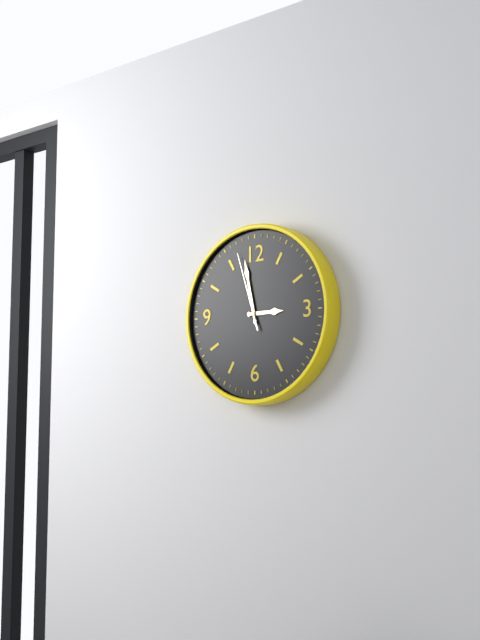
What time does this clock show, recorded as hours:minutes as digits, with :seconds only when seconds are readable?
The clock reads 2:58:57
